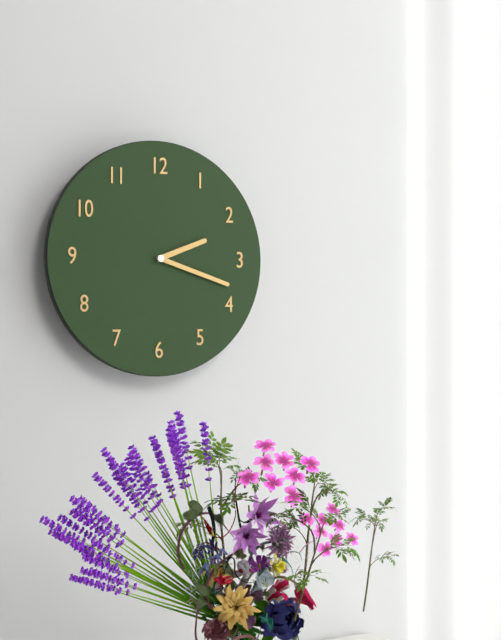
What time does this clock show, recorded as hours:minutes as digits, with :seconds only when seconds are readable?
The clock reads 2:18
